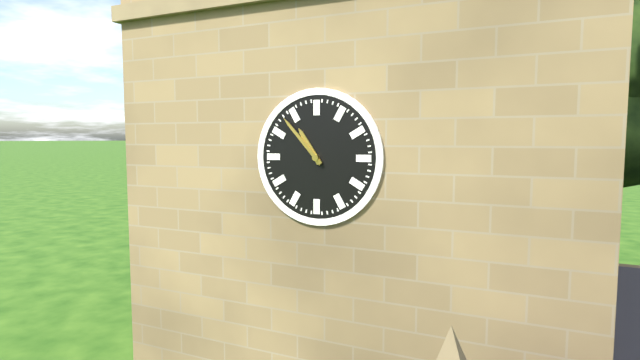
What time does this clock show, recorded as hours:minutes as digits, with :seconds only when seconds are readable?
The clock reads 10:53
